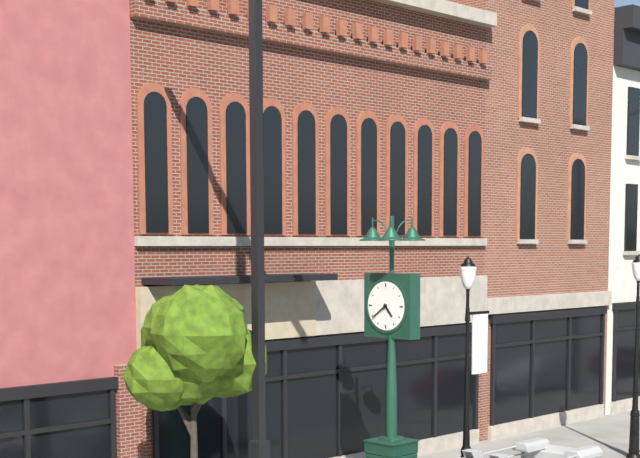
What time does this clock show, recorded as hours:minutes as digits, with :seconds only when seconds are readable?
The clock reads 4:39
